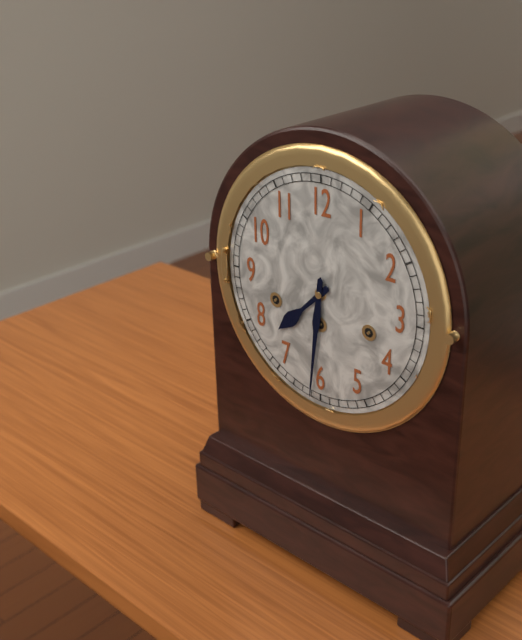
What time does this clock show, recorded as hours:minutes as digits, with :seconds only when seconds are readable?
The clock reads 7:31
